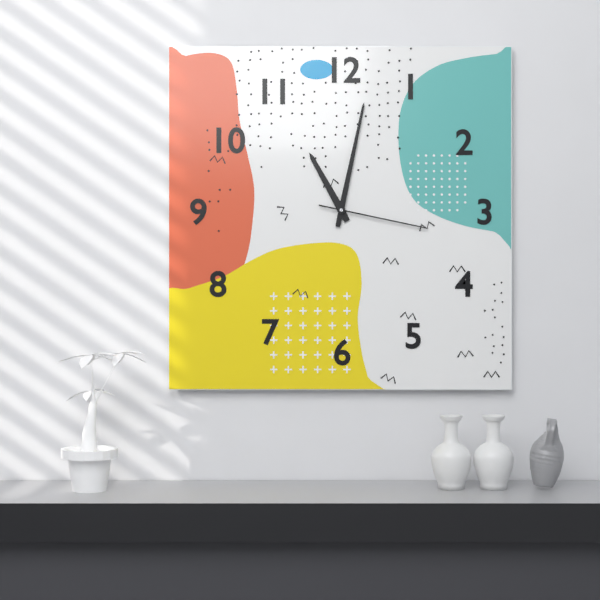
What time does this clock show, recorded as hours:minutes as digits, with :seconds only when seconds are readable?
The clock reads 11:02:17
